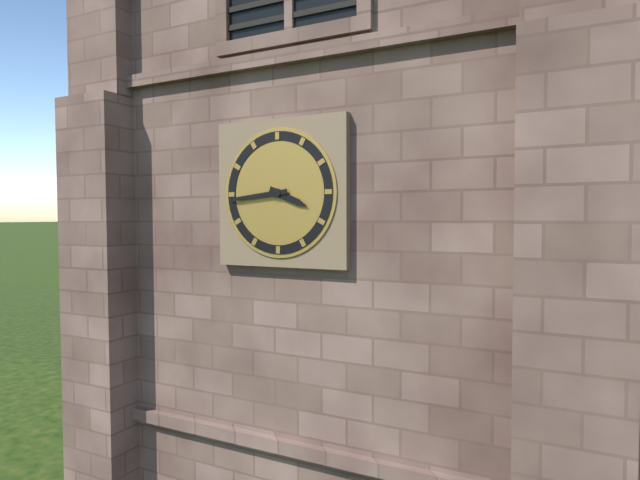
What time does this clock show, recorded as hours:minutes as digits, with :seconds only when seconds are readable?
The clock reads 3:44
